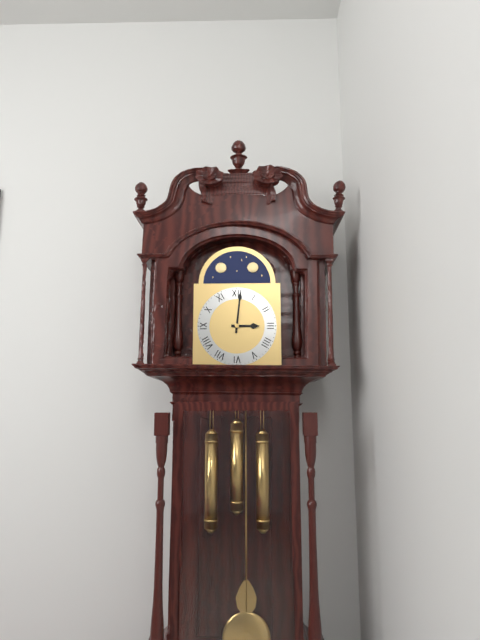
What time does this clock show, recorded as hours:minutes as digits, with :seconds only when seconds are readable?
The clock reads 3:01
